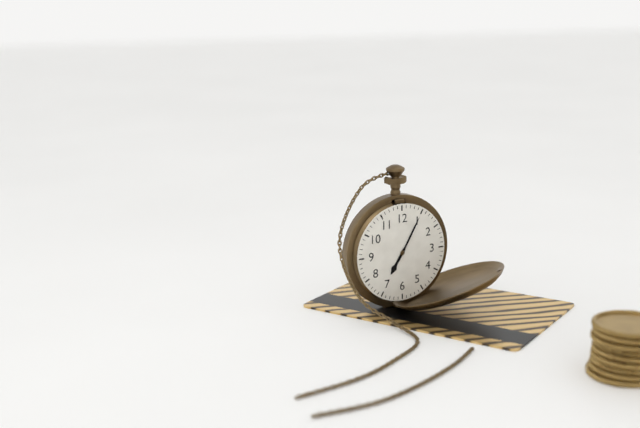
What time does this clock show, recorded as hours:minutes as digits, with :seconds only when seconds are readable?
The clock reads 7:05
